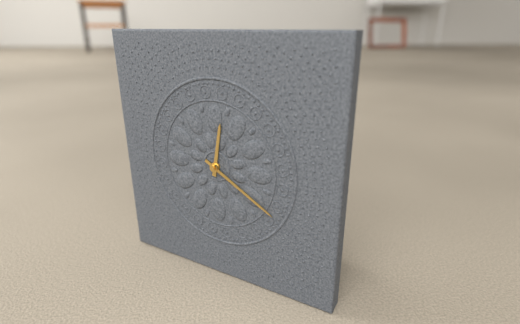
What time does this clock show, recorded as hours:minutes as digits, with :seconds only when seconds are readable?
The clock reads 12:20
